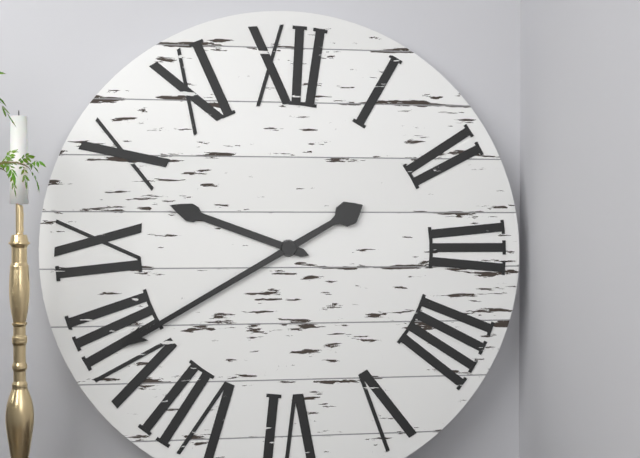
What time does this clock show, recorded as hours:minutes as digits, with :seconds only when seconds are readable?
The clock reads 9:40
